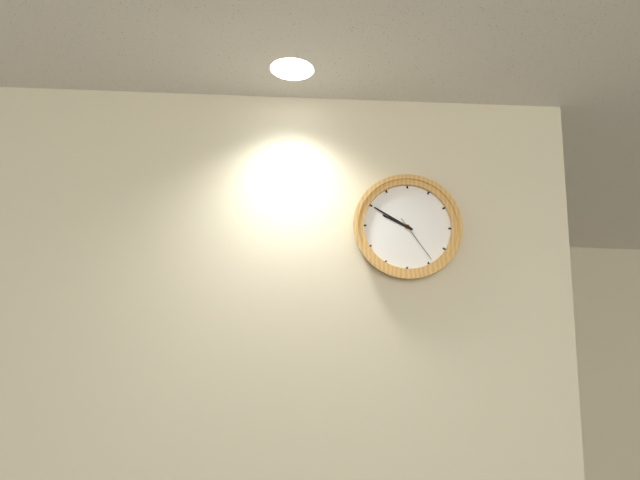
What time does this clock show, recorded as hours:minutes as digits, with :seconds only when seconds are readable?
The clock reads 9:50:24
